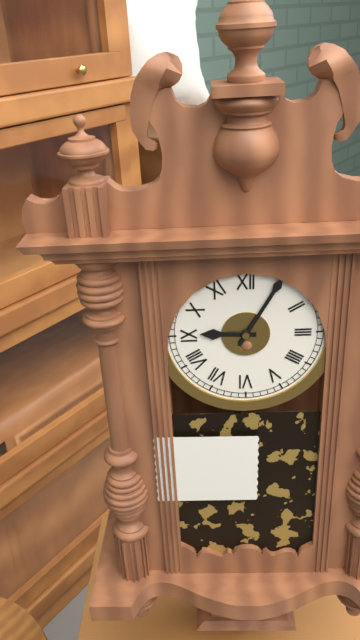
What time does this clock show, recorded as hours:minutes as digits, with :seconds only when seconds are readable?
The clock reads 9:05
